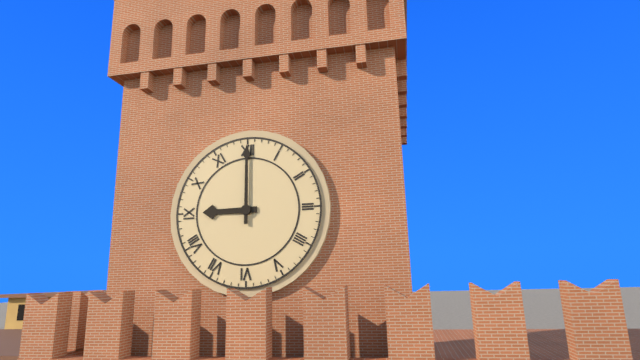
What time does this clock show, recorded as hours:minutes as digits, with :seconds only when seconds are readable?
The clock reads 9:00
